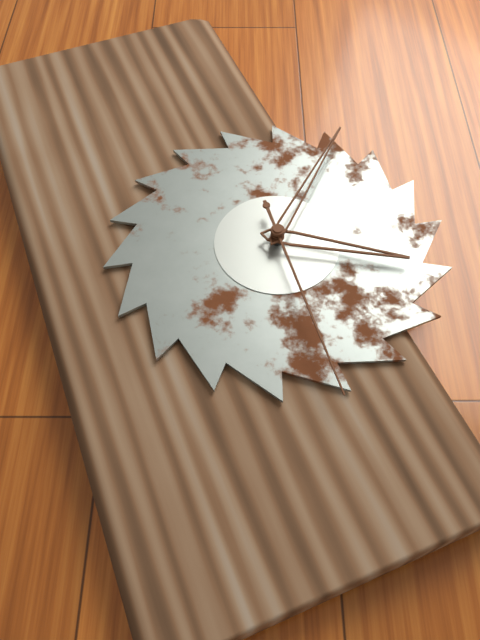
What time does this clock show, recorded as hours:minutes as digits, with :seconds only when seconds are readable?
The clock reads 4:08:31
